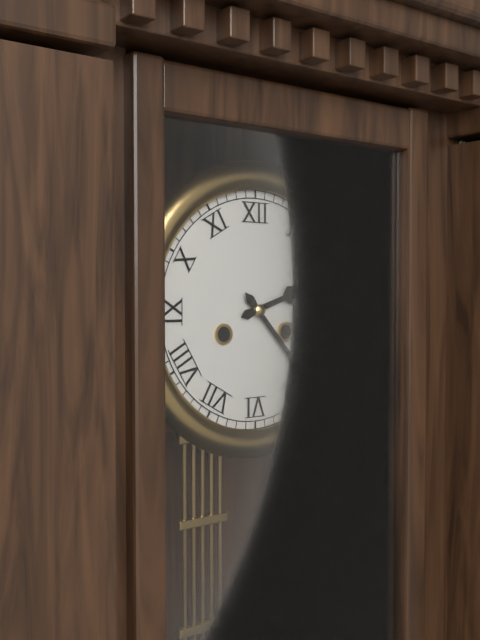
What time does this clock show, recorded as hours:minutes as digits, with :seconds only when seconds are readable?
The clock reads 2:23
